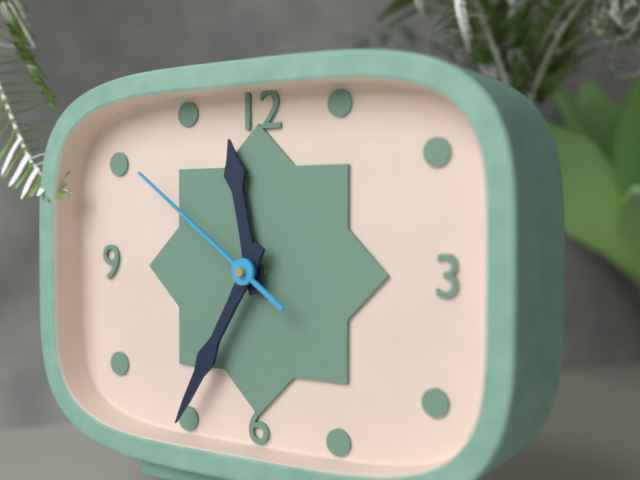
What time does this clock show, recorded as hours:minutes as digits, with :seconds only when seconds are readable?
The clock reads 11:35:51
